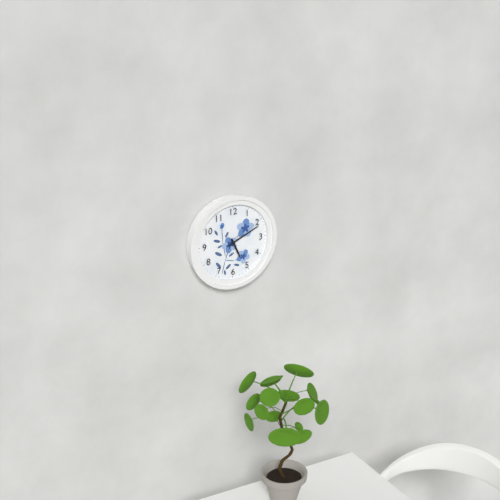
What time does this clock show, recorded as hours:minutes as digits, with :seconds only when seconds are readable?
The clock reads 5:11
